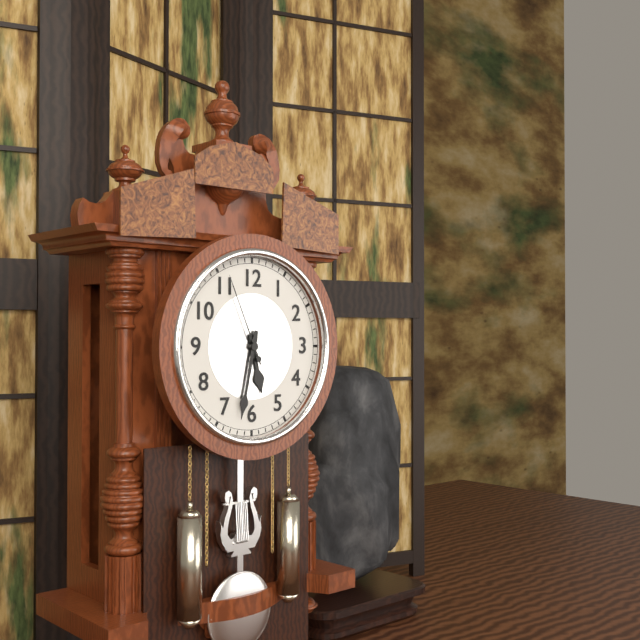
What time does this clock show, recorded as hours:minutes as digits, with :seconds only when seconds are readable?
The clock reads 5:32:56
